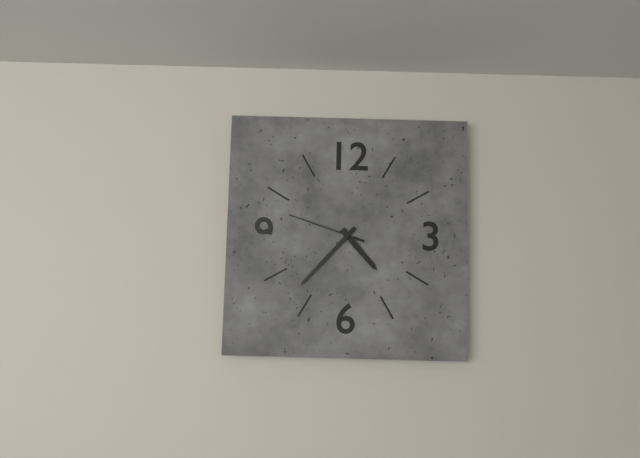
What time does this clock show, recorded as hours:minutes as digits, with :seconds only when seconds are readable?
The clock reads 4:37:48
